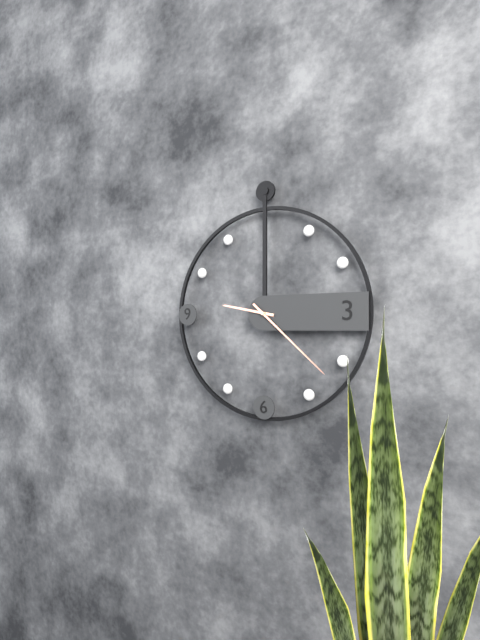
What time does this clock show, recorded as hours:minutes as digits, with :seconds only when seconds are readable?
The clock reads 9:22
